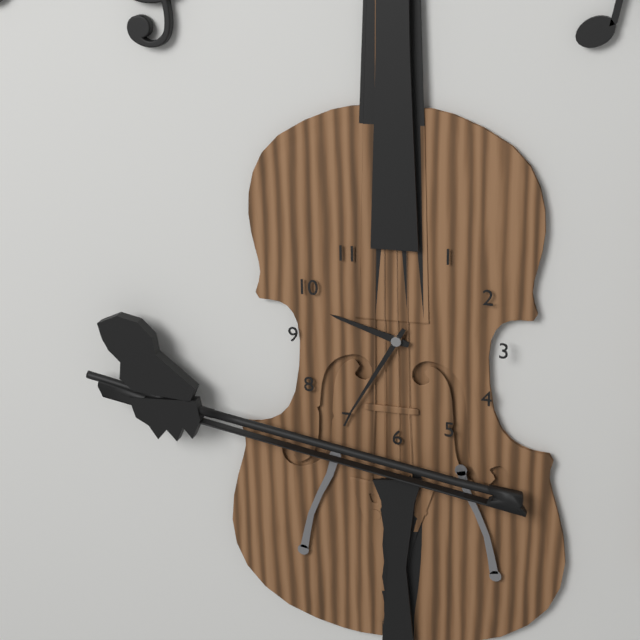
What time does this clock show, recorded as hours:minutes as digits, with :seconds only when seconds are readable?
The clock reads 9:35
